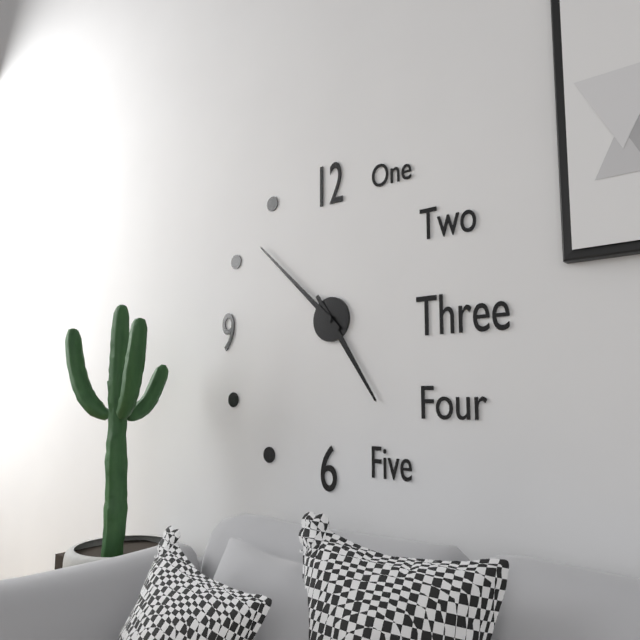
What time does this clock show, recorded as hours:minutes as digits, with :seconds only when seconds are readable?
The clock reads 4:52
